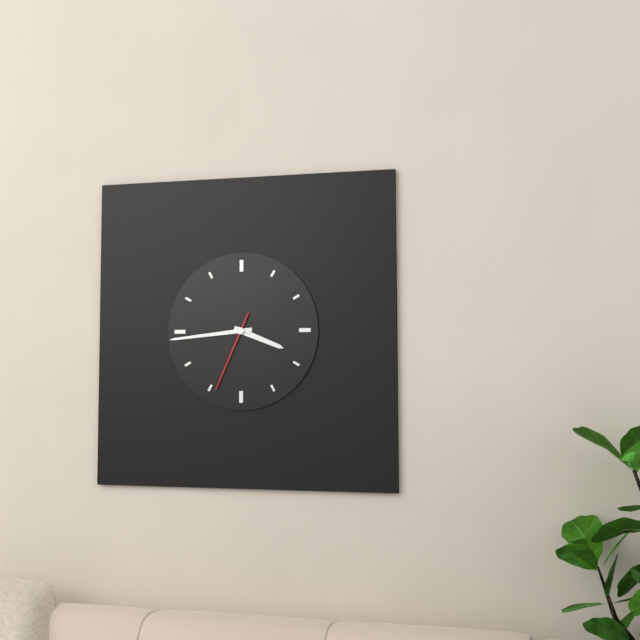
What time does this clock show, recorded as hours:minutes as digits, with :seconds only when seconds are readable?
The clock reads 3:44:34
